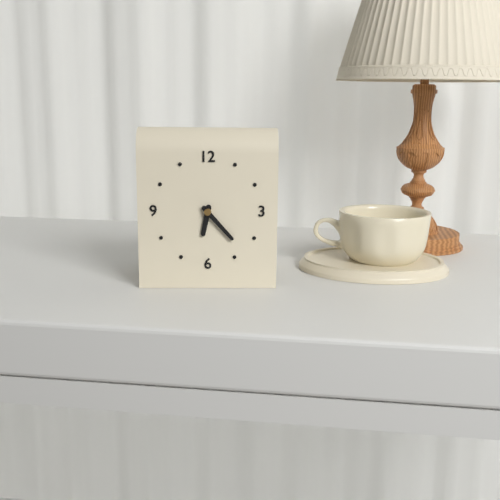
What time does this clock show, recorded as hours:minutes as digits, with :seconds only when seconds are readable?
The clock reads 6:23
